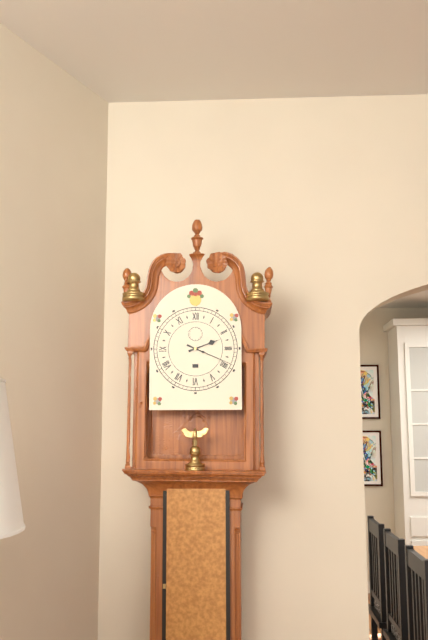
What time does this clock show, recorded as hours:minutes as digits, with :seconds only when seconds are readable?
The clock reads 2:19
